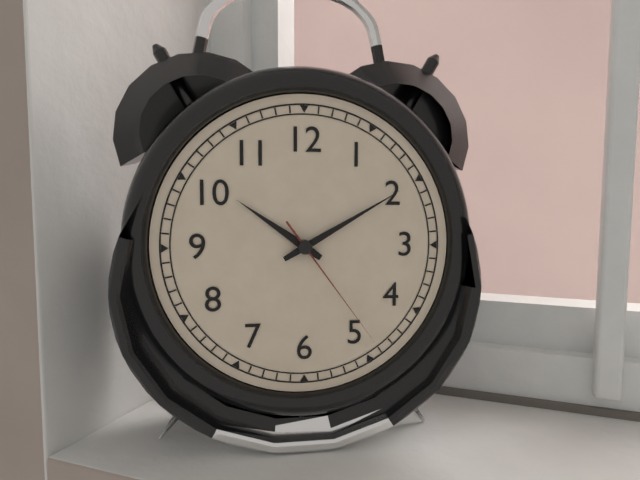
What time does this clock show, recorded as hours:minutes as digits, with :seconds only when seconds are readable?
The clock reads 10:10:24
